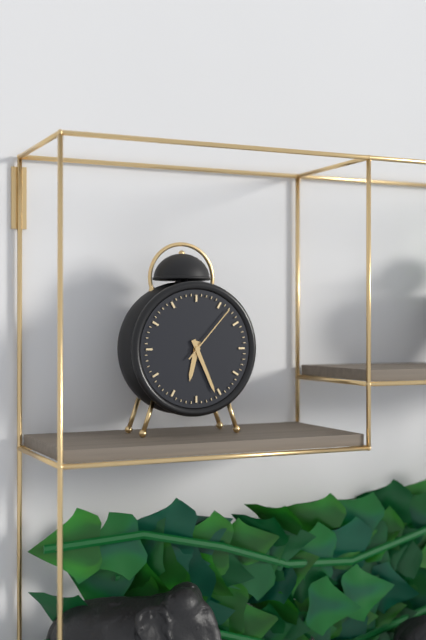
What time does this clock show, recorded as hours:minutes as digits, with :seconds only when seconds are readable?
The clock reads 6:26:07
